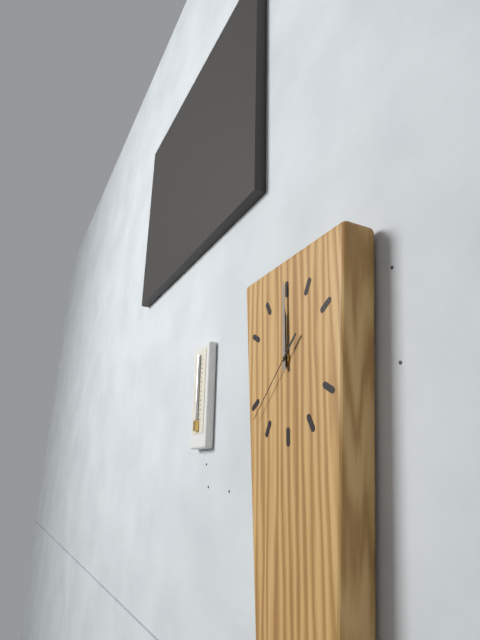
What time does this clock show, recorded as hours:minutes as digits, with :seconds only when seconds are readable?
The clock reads 12:00:38
